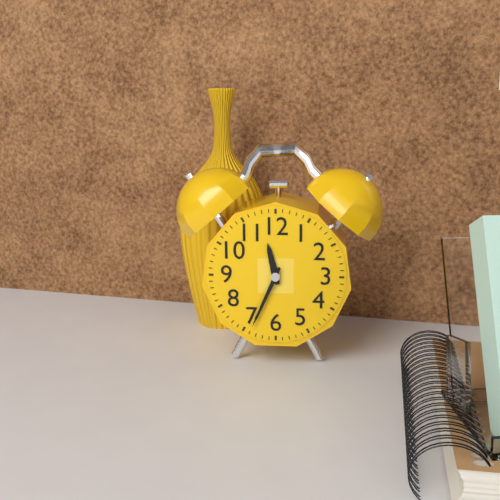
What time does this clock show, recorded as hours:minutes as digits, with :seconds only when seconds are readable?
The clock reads 11:34
